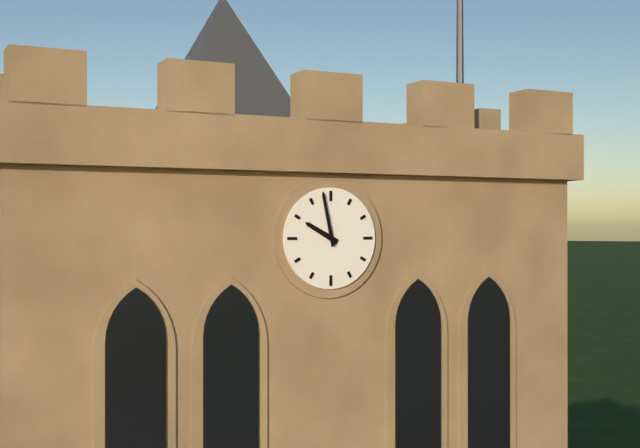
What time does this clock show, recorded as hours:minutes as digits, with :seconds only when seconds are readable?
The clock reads 9:58
